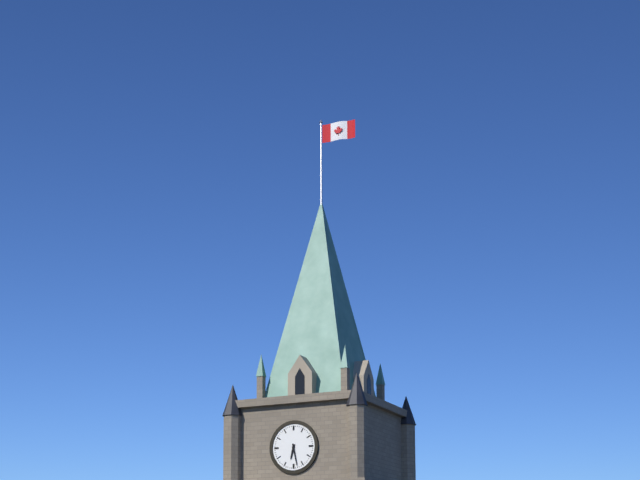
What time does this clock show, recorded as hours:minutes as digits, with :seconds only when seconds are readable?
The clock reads 6:28
